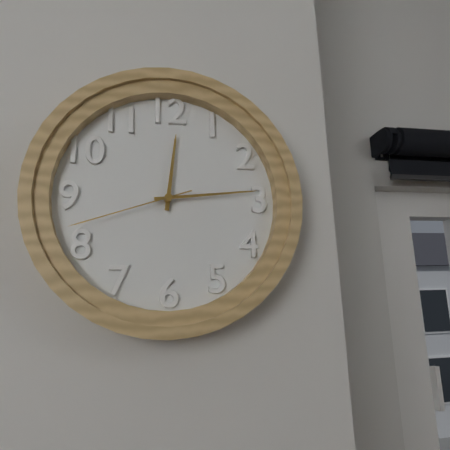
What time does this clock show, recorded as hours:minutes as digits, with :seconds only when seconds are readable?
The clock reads 12:14:42
